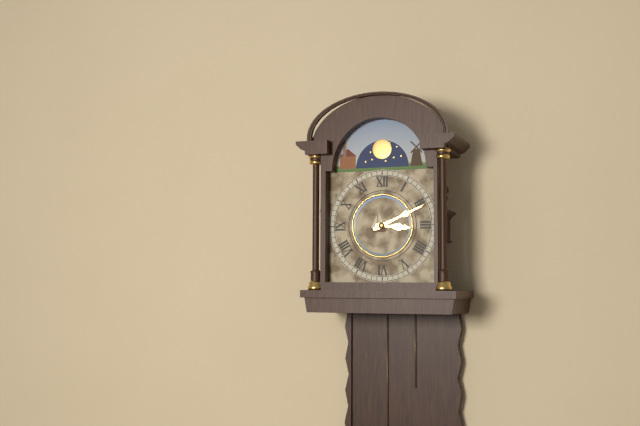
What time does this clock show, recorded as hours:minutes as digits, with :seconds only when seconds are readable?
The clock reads 3:11
